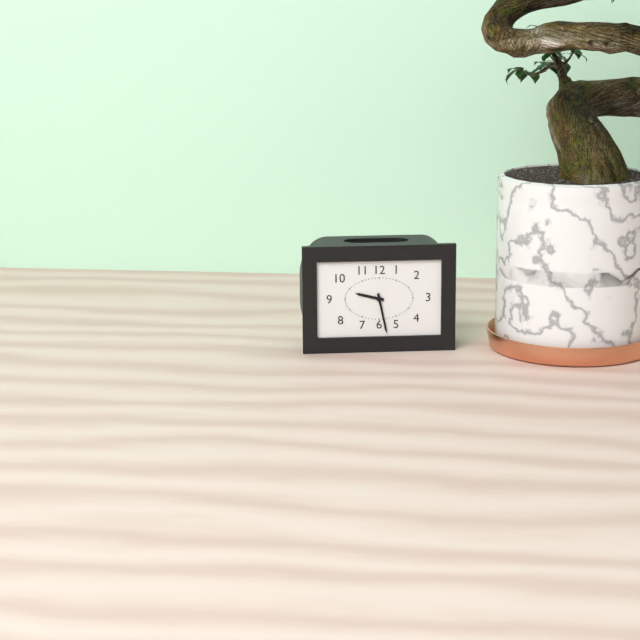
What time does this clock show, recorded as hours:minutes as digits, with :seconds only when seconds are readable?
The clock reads 9:28
